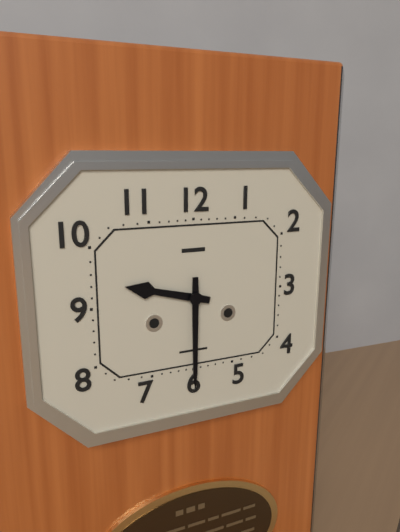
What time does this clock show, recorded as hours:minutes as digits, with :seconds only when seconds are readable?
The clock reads 9:30
